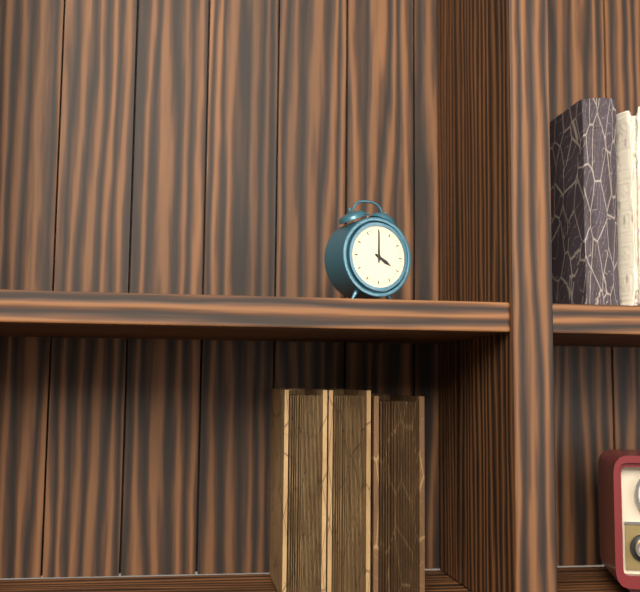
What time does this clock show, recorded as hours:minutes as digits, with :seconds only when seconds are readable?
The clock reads 4:00
